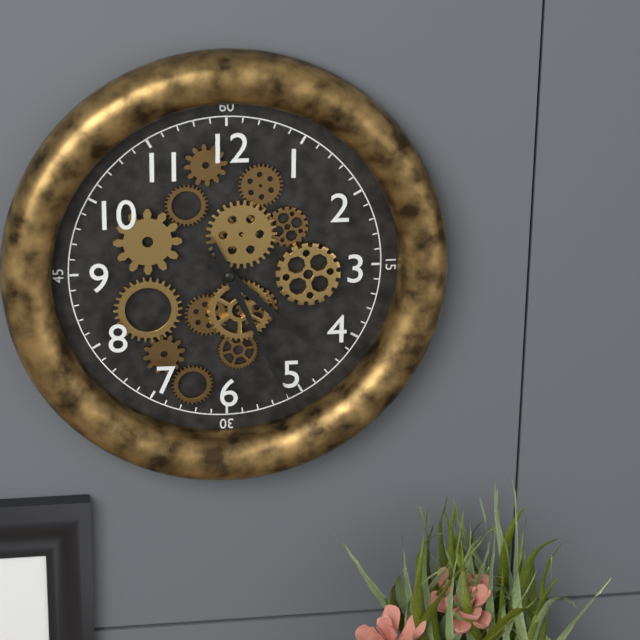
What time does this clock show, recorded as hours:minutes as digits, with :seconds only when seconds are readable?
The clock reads 4:26
